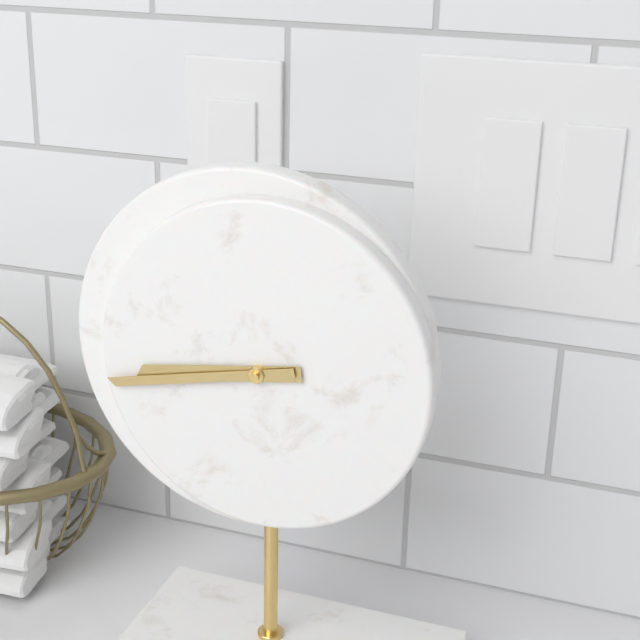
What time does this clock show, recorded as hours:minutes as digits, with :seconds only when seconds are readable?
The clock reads 8:43
